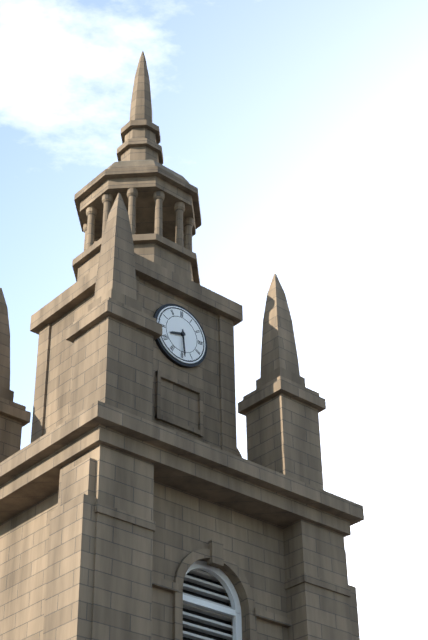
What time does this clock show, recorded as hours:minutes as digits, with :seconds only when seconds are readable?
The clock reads 8:29
